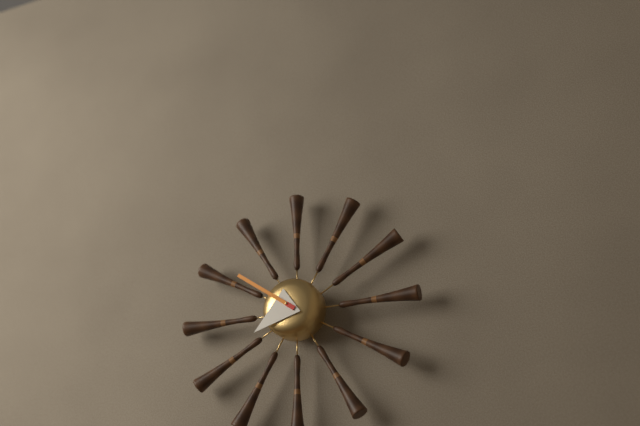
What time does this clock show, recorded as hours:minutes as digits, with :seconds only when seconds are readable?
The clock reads 7:51
